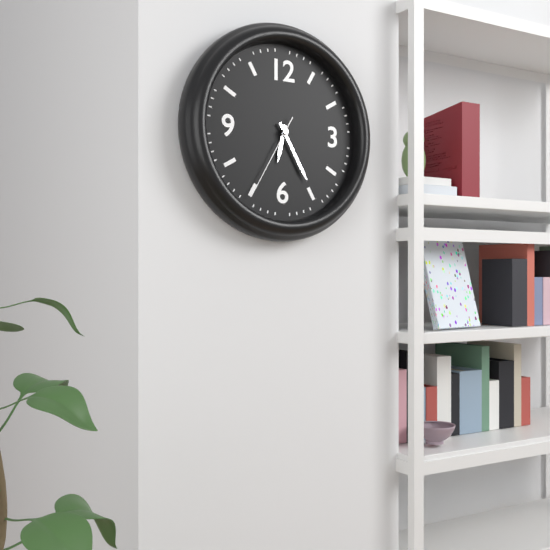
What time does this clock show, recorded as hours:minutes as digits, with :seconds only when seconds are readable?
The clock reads 6:25:35
